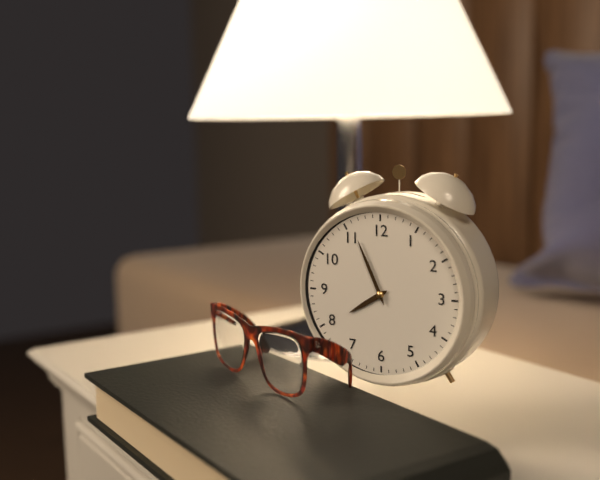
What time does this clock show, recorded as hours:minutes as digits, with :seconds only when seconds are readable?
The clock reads 7:56
